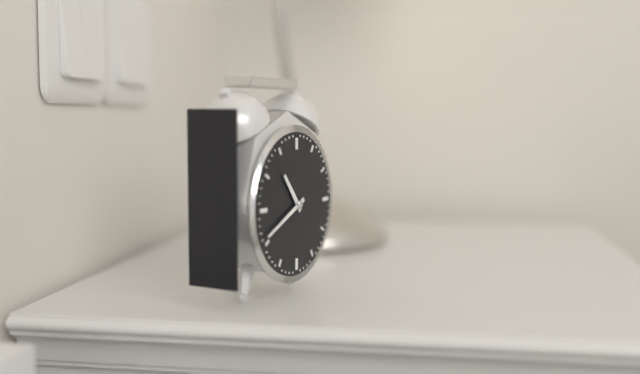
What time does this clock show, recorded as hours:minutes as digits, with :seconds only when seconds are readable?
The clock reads 10:41
